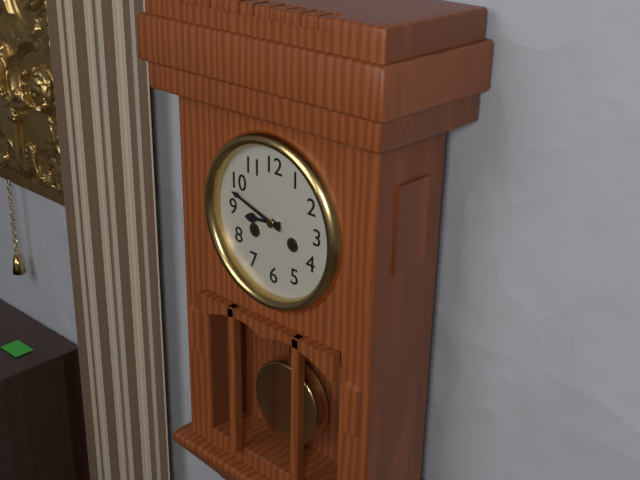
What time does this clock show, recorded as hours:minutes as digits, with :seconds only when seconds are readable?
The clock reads 8:48
